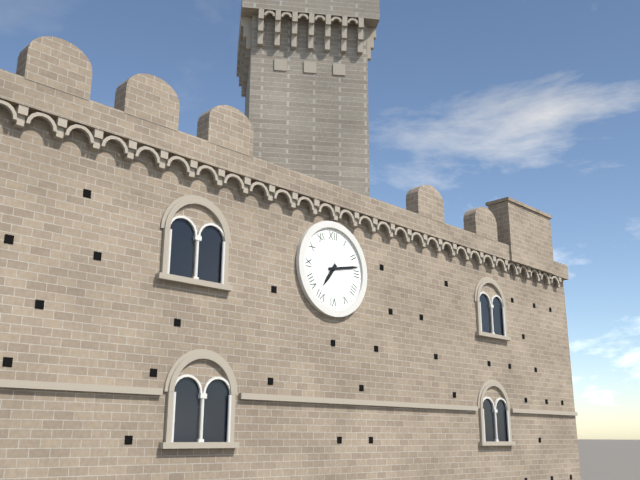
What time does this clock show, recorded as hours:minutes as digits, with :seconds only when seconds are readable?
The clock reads 7:13
